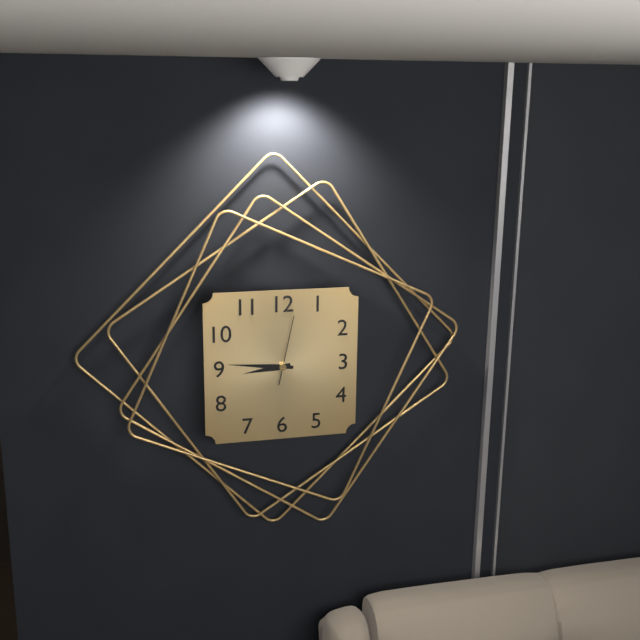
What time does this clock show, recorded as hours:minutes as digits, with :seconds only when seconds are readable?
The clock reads 8:46:02
